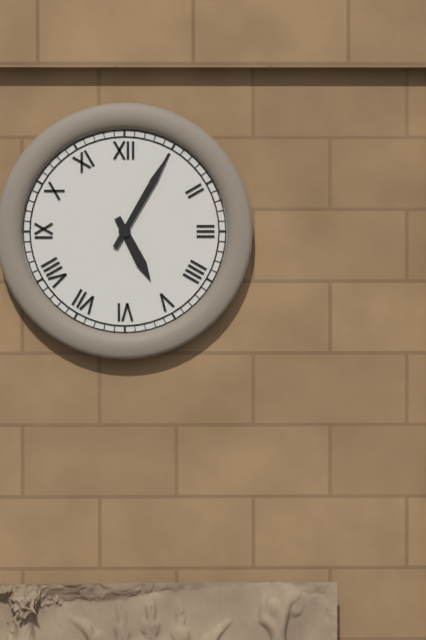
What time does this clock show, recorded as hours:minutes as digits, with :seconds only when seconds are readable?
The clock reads 5:05
